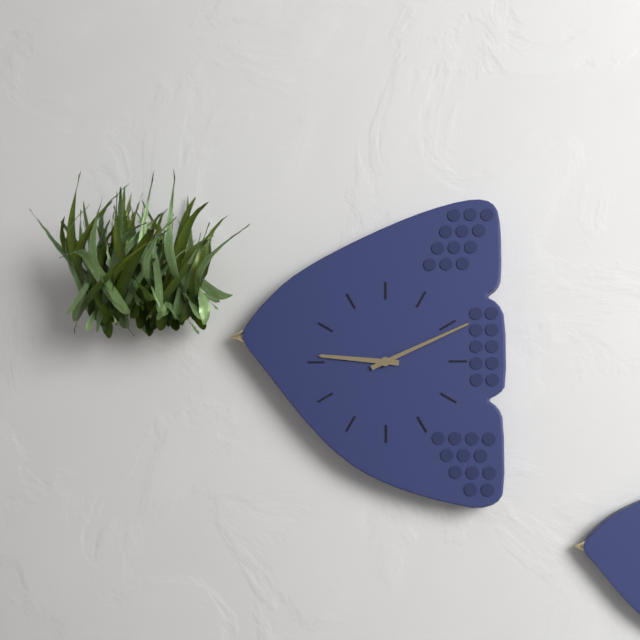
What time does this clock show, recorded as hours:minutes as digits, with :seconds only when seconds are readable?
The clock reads 9:11
